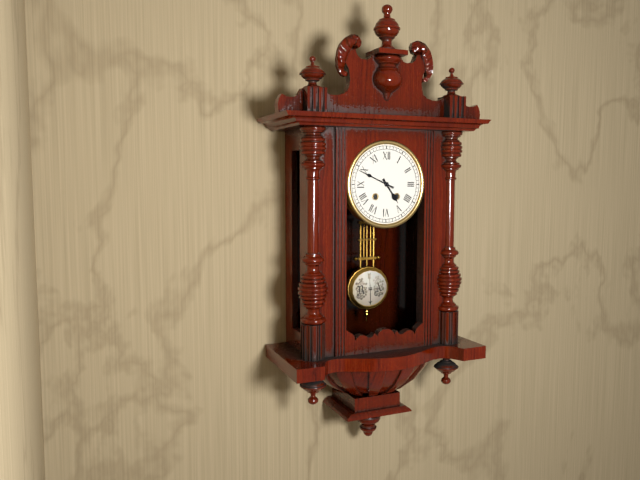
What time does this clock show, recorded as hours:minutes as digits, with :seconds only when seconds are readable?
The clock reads 4:49
